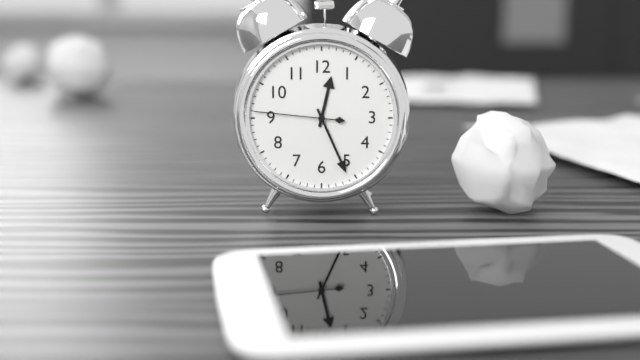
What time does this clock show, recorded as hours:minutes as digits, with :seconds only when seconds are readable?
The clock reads 12:26:46
